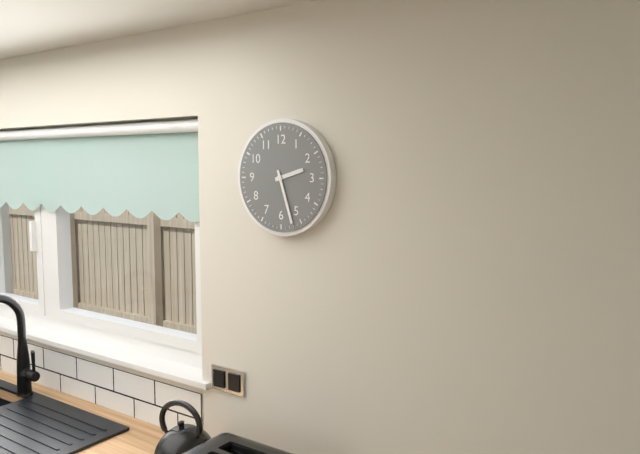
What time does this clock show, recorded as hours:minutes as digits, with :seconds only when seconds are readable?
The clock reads 2:27
